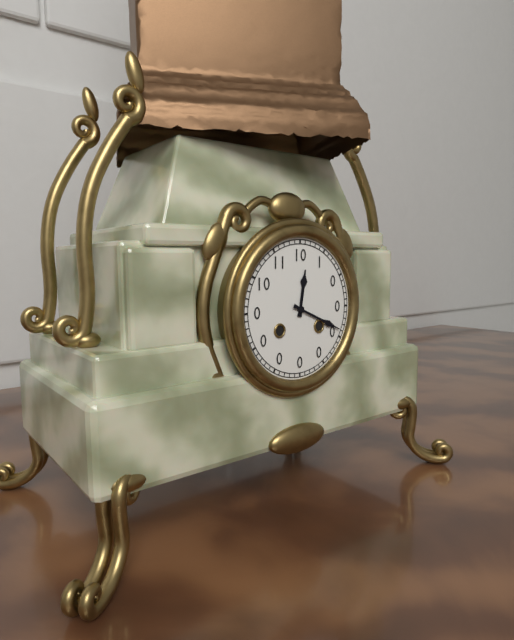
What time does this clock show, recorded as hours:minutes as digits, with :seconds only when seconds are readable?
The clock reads 12:19
